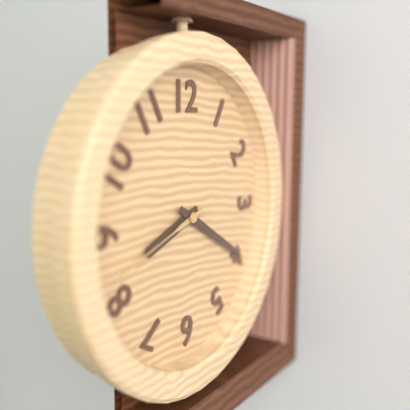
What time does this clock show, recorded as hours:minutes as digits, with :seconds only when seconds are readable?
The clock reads 8:20:42
